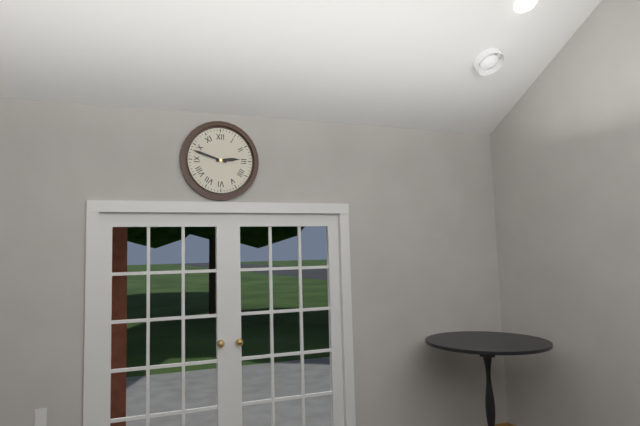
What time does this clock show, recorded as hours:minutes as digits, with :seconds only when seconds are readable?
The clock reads 2:48
